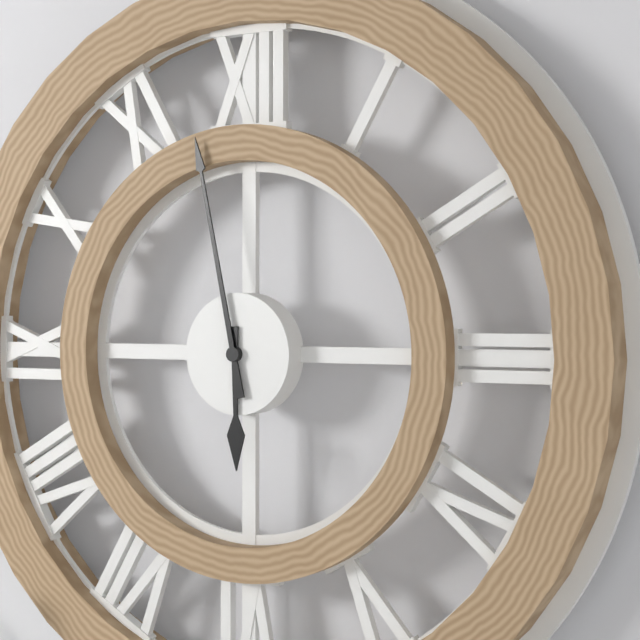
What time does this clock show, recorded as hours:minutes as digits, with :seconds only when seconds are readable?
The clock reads 5:58
